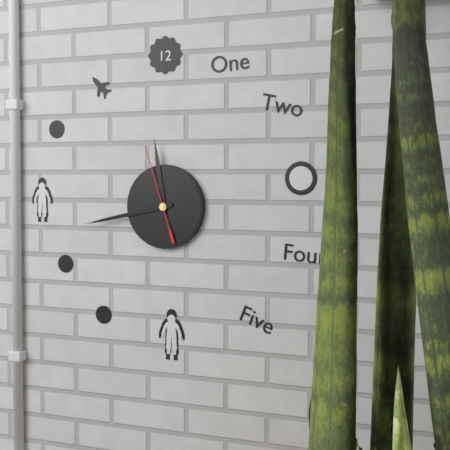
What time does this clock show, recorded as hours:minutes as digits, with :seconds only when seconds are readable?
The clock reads 11:43:57
